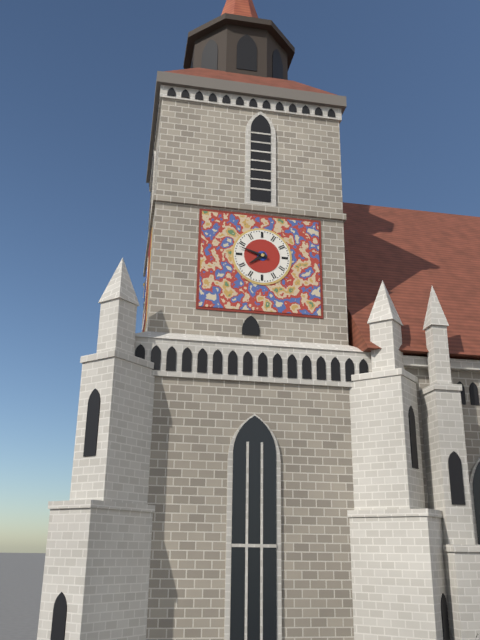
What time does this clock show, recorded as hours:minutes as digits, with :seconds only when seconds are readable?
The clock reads 7:48
